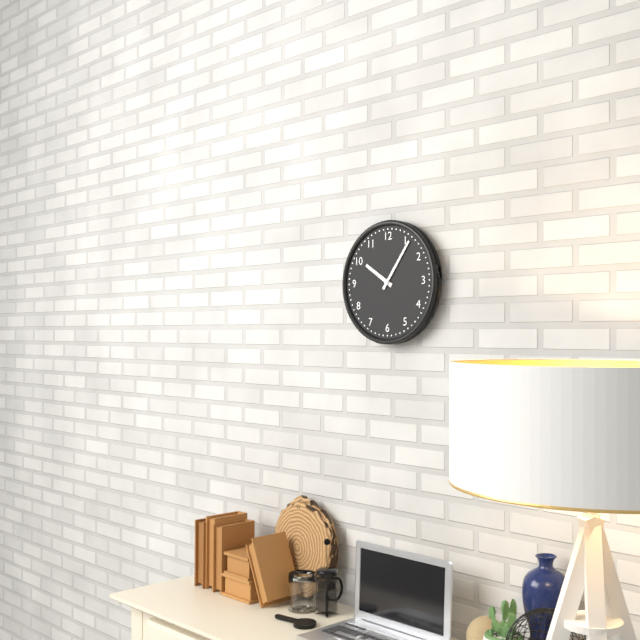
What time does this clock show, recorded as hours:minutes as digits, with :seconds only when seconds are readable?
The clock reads 10:06
